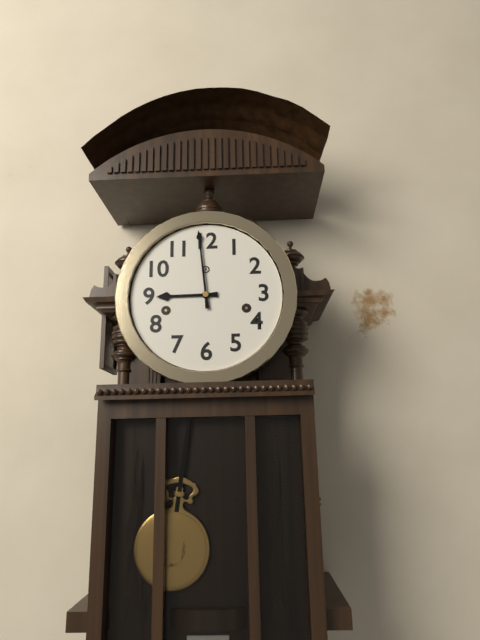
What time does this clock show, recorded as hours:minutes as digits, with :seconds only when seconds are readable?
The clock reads 8:59
